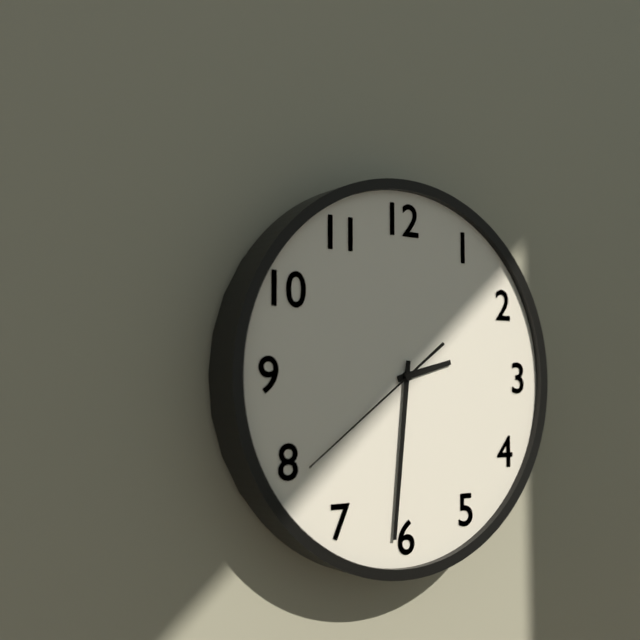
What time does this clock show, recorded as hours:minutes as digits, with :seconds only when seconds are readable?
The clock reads 2:31:39
